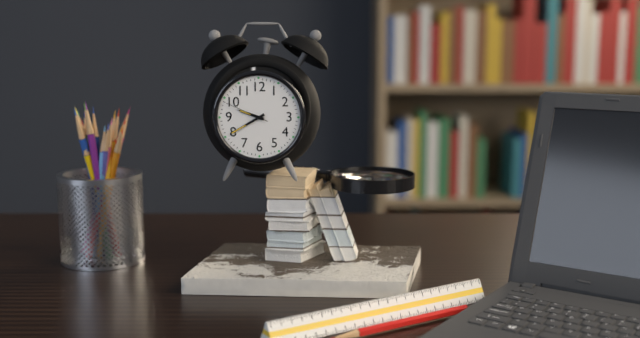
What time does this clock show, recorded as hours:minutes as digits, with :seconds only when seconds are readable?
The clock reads 9:40
